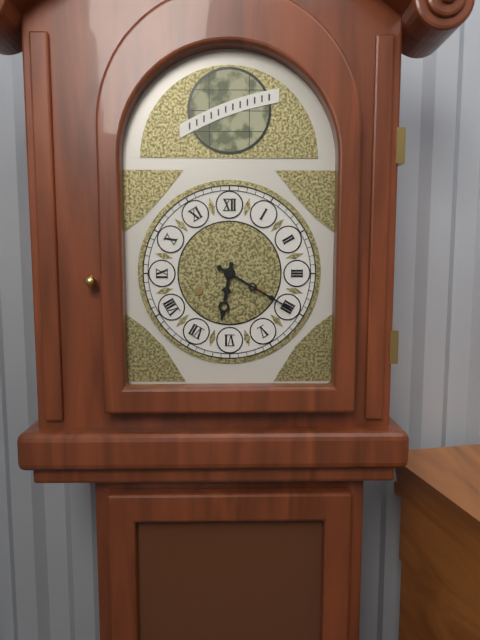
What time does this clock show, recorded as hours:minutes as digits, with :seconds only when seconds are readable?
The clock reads 6:20
